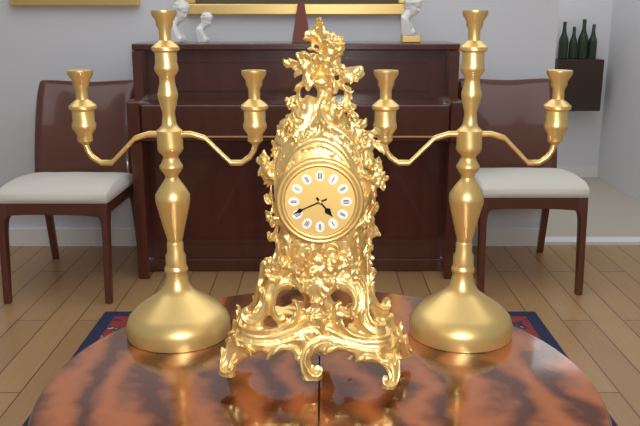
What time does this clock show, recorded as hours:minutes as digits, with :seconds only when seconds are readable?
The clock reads 4:41
